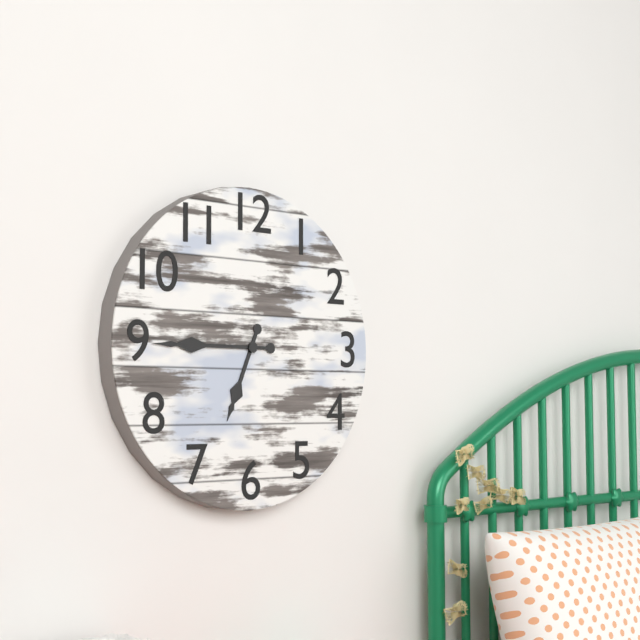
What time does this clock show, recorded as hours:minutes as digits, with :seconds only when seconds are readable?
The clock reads 6:45
